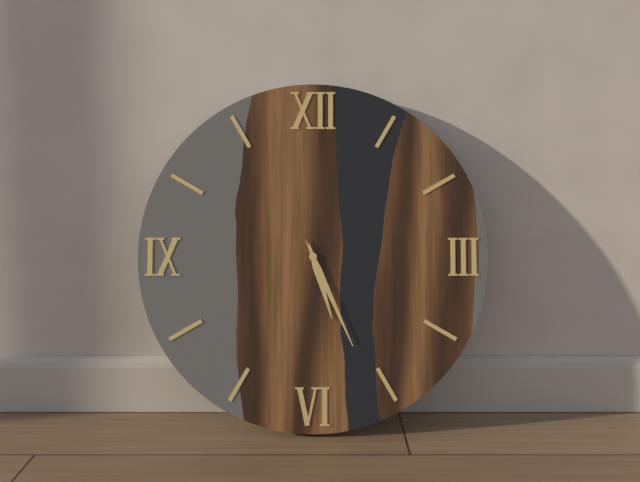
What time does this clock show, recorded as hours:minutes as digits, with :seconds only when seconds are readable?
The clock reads 5:26
